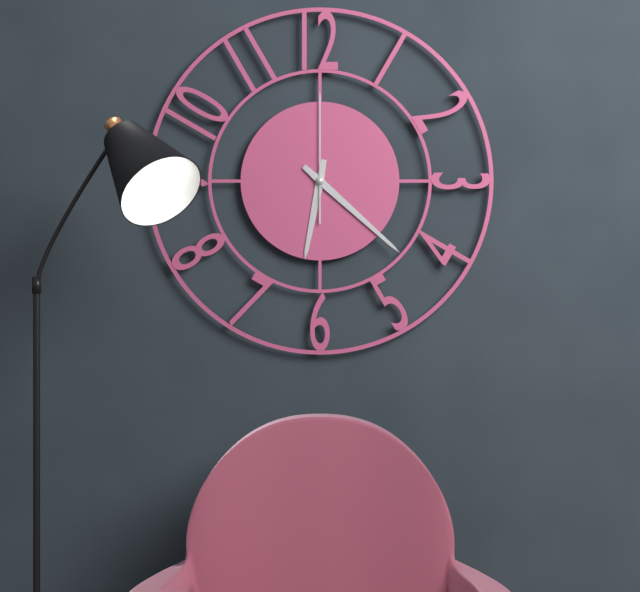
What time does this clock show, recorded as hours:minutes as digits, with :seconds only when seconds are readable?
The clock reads 6:22:00
